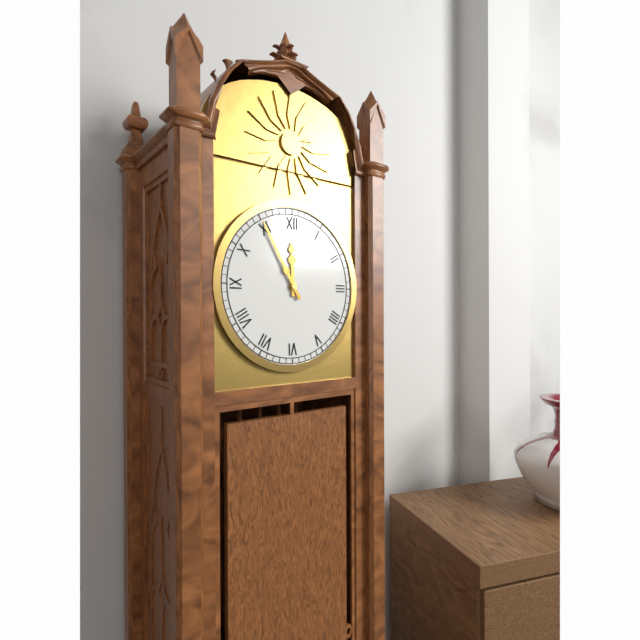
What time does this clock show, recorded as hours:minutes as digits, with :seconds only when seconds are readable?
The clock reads 11:55
